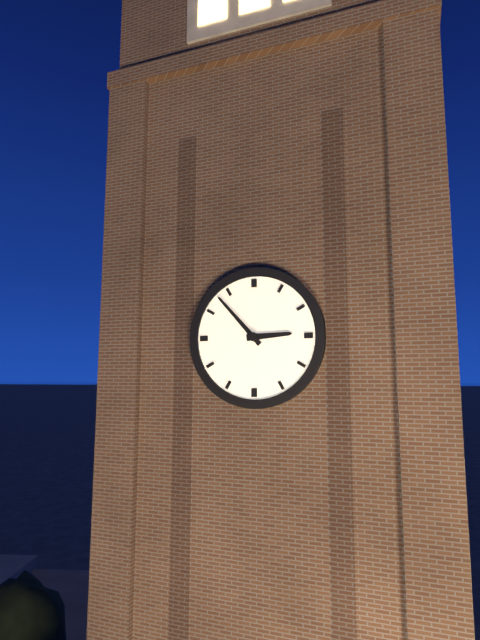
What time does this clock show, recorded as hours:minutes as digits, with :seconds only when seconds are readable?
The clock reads 2:53
